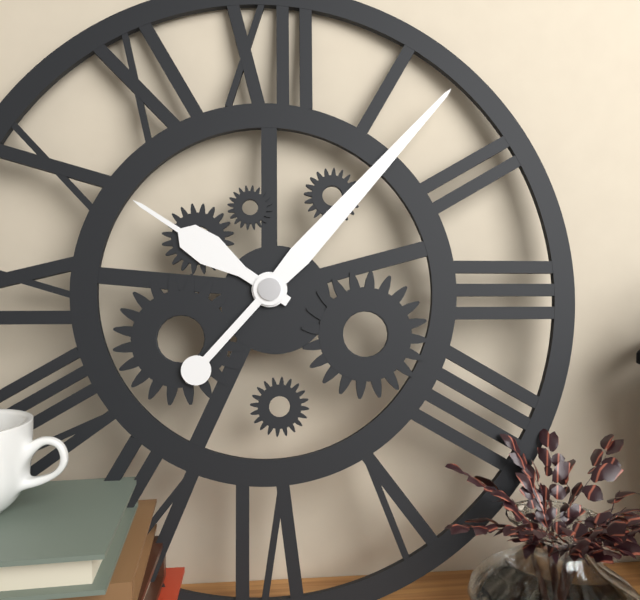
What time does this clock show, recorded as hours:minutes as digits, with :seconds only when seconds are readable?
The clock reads 10:07
